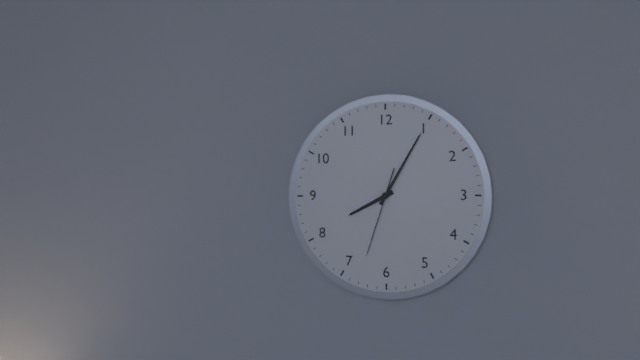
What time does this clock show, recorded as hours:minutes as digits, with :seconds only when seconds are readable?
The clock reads 8:05:33
